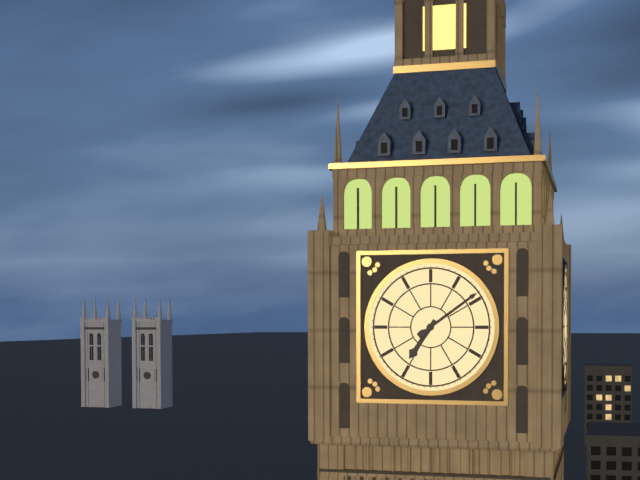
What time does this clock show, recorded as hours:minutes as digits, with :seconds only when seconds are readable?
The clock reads 7:09
